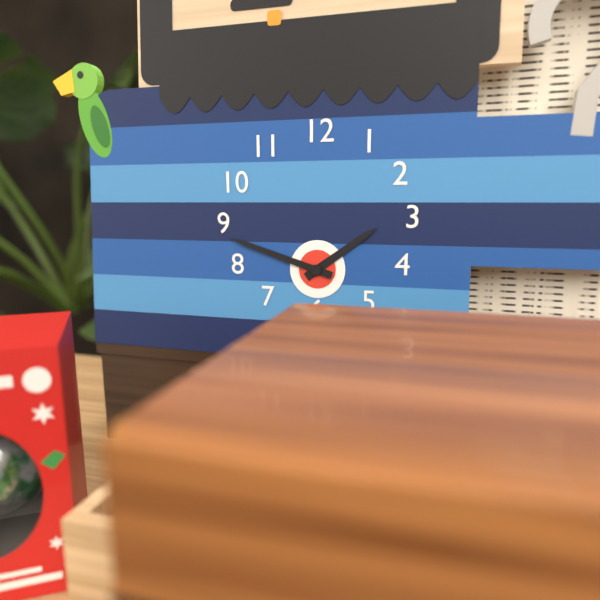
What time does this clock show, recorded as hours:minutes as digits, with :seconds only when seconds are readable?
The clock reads 1:48
